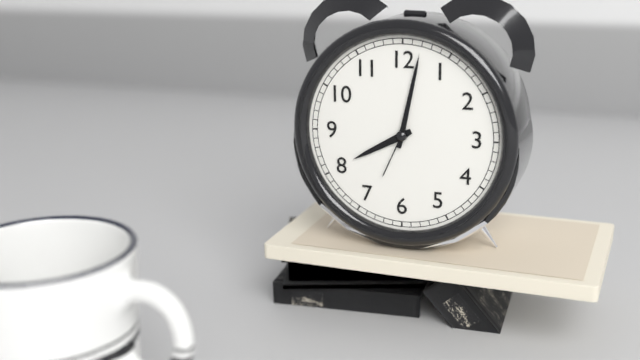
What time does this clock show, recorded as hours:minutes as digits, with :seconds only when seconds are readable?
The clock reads 8:02:34
